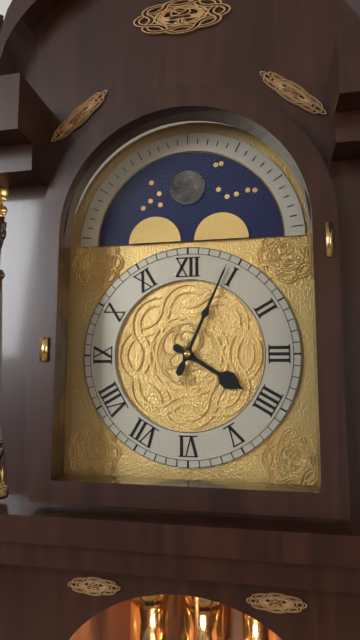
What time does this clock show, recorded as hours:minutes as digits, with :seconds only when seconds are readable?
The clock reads 4:04
